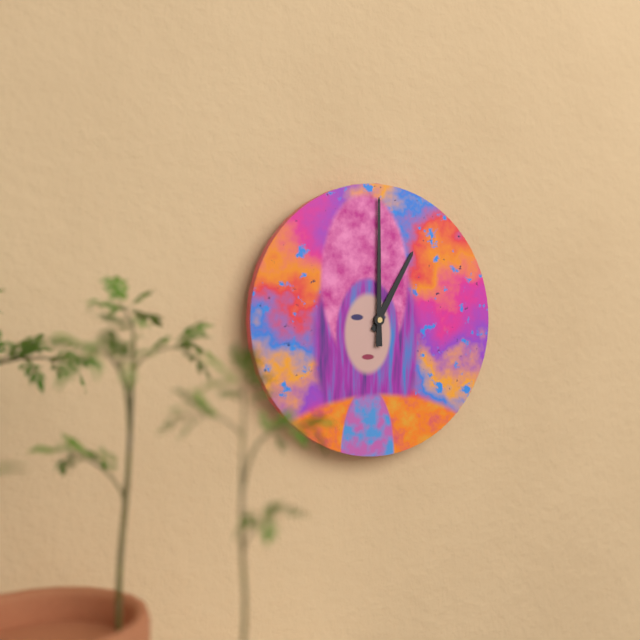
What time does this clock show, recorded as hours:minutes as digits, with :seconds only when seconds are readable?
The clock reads 1:00
